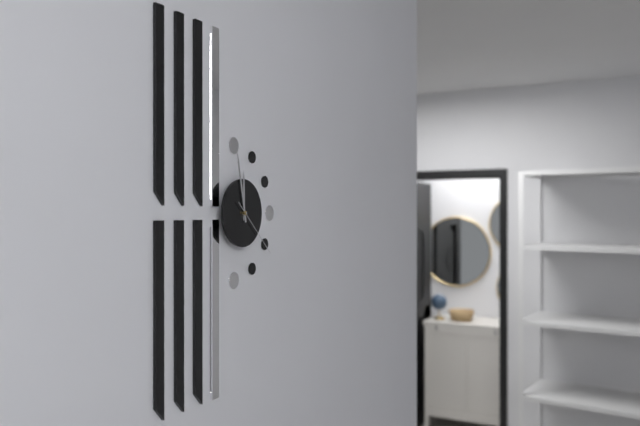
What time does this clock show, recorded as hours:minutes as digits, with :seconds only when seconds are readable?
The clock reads 11:58:22
